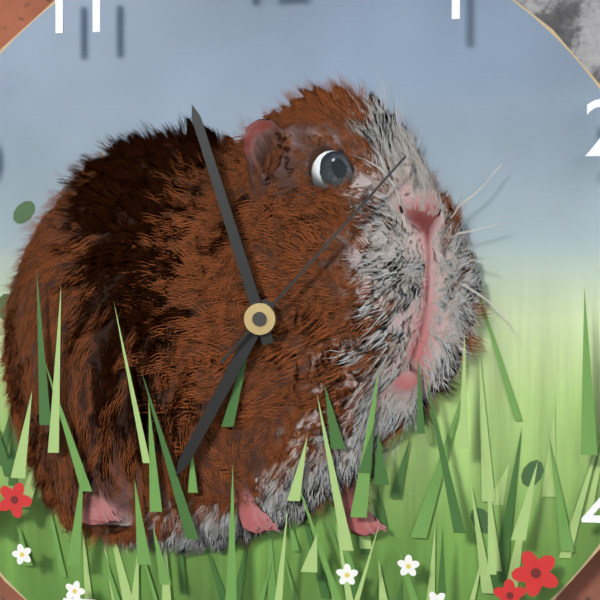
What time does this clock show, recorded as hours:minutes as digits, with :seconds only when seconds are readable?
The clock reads 6:57:07
